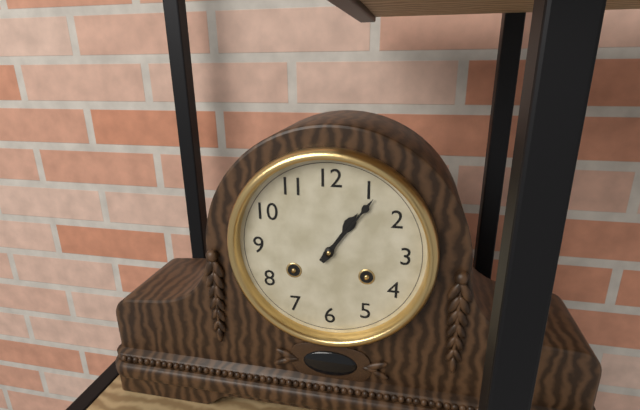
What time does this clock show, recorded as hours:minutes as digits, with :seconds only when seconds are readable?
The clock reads 1:06
